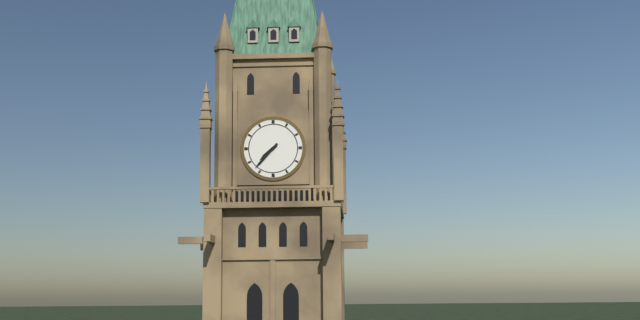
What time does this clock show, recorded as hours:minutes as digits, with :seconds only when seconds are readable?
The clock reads 7:37
